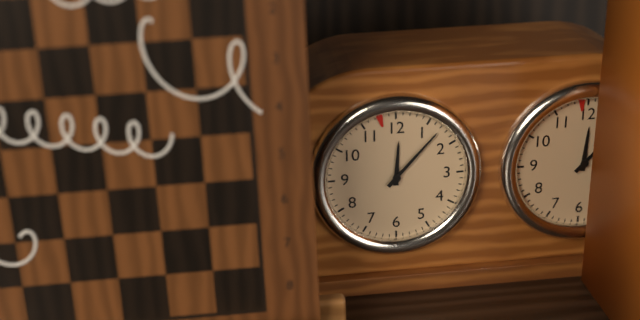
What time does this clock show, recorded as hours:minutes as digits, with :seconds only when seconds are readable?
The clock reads 12:07
